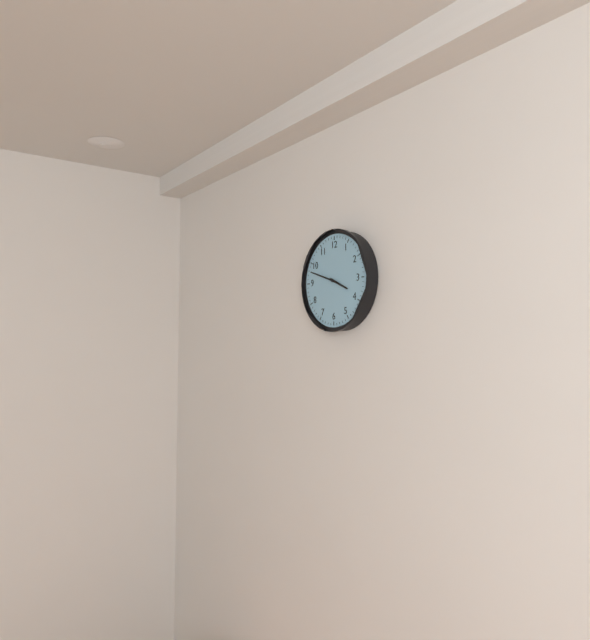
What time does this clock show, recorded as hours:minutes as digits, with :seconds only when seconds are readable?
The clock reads 3:48
